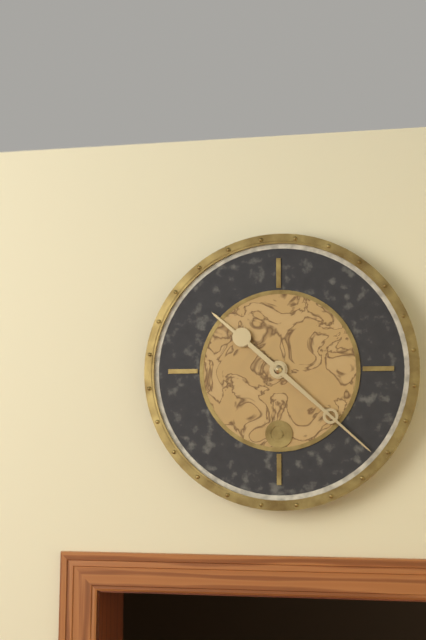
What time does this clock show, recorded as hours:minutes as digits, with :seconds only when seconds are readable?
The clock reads 10:22
